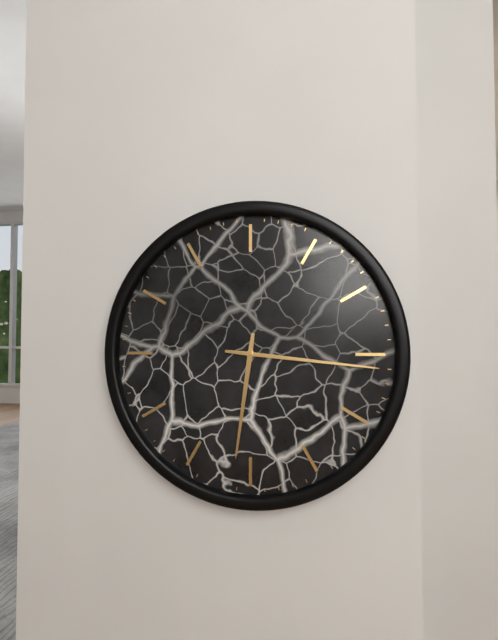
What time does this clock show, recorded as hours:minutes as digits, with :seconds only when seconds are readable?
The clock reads 6:16
